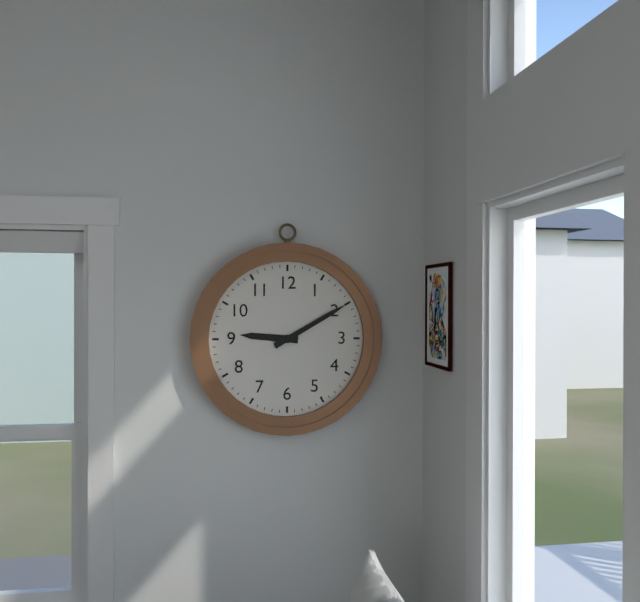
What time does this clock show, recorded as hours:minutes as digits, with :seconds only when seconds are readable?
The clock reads 9:10
